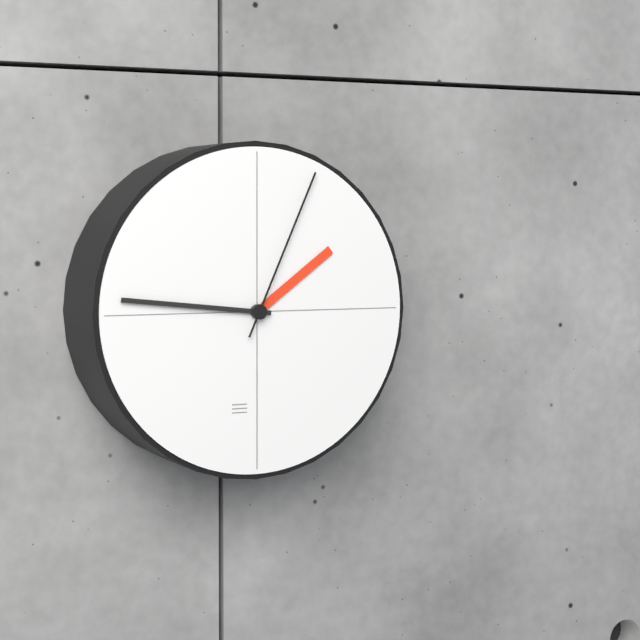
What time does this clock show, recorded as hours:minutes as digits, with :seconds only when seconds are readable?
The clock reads 1:46:04
